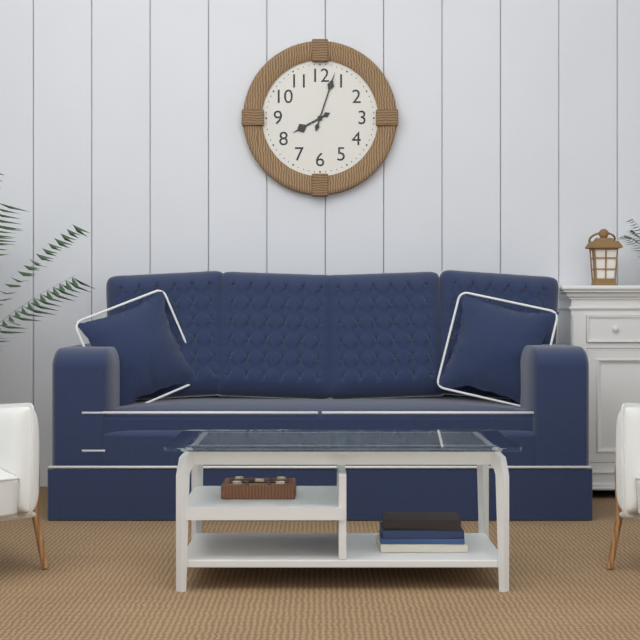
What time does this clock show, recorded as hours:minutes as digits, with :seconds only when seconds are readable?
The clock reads 8:03
